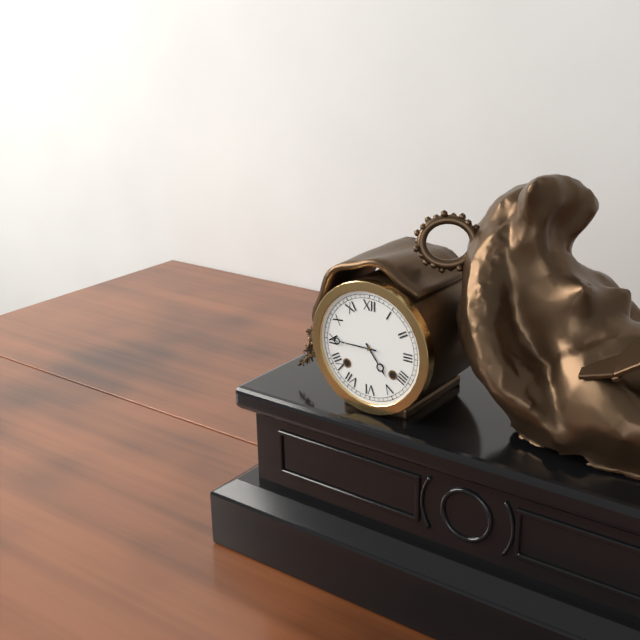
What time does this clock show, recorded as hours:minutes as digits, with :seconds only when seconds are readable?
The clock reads 4:45
